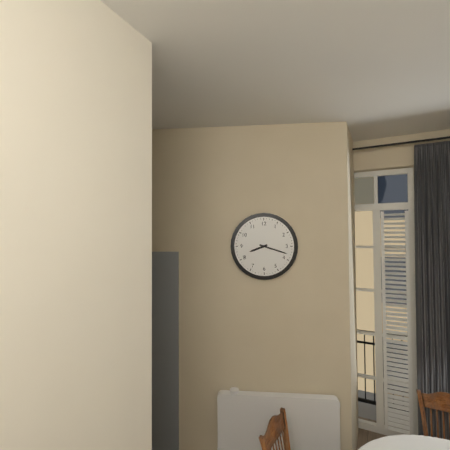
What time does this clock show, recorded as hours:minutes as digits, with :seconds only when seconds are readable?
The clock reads 8:18
